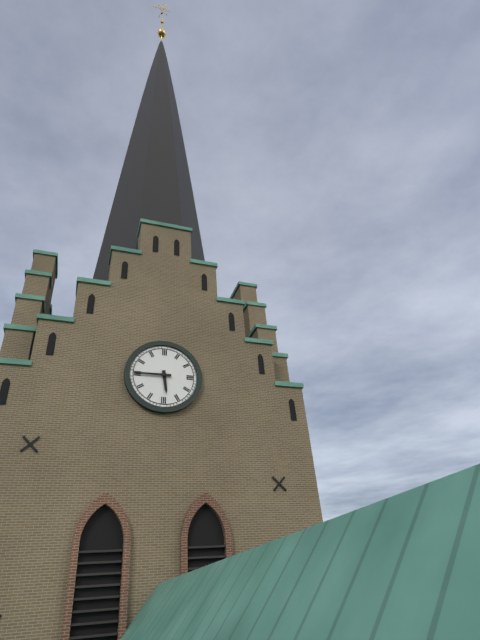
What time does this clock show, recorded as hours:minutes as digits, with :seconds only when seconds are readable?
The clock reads 5:45
